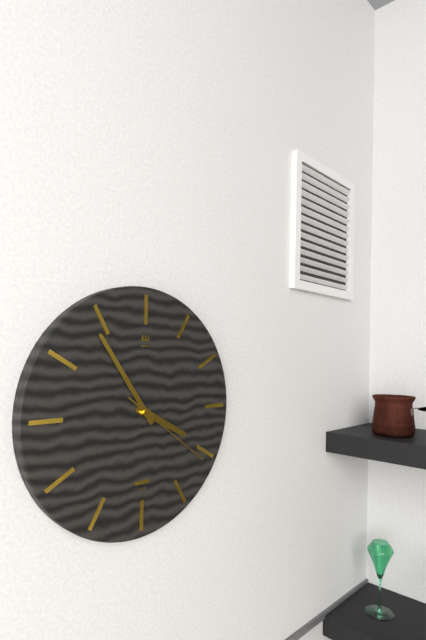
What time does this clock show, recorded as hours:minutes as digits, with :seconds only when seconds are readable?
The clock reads 3:54:21
